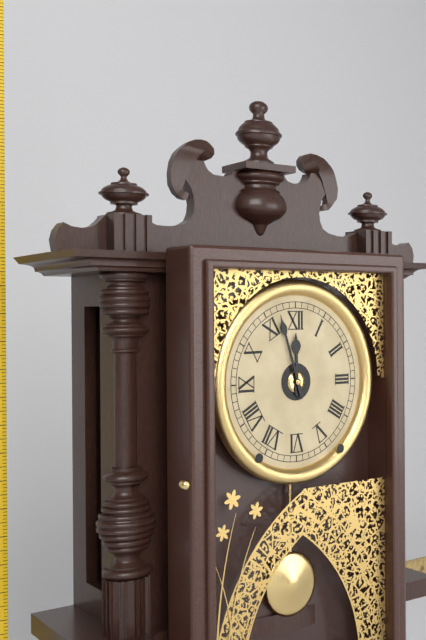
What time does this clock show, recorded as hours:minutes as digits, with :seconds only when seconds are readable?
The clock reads 11:57
